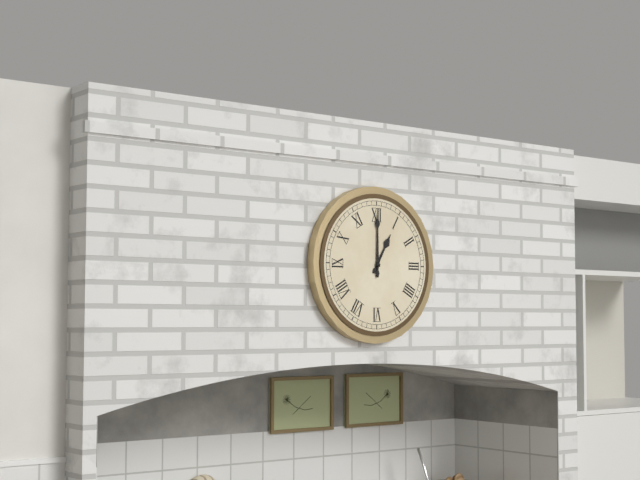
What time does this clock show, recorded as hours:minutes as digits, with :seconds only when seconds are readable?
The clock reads 1:00
